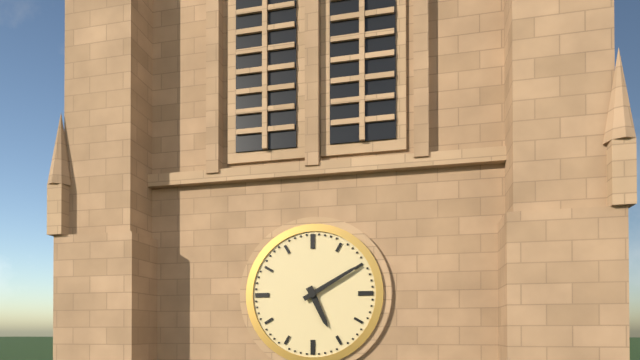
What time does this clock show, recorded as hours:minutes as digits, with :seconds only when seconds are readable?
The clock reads 5:10
